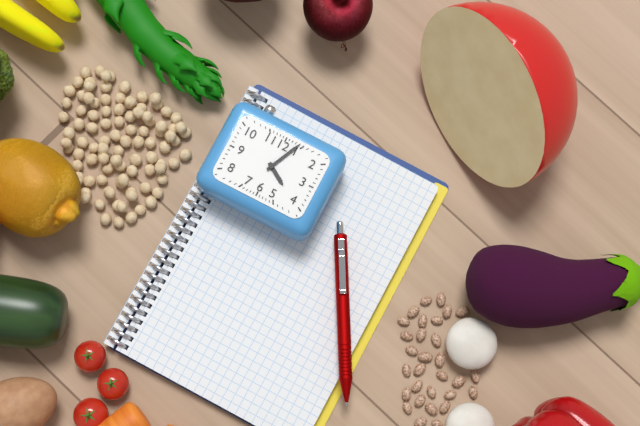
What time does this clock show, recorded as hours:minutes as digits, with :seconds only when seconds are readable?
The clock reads 4:04
